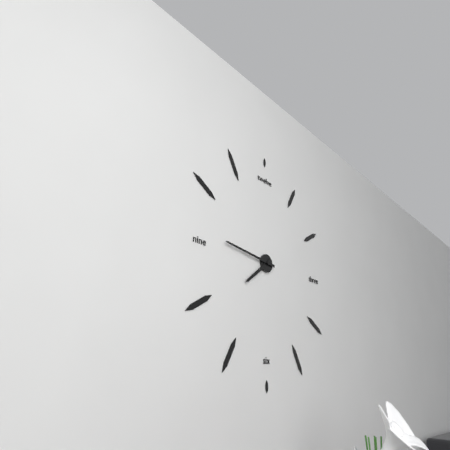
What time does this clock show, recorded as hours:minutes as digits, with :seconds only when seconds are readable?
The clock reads 7:46
